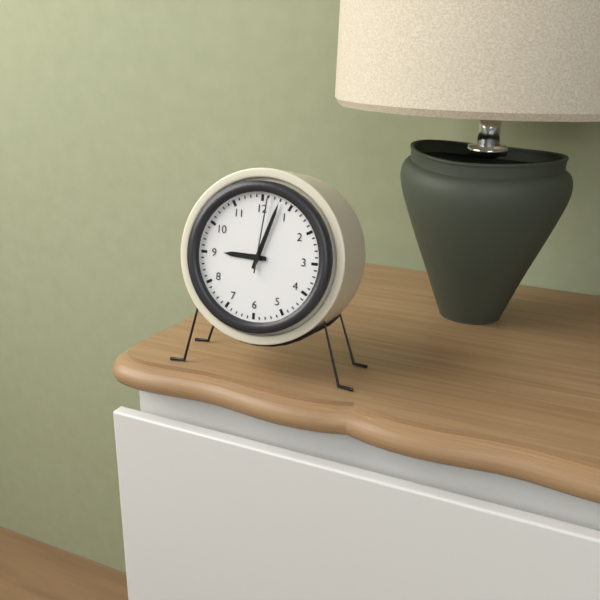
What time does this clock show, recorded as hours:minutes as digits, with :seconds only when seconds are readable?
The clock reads 9:03:01
